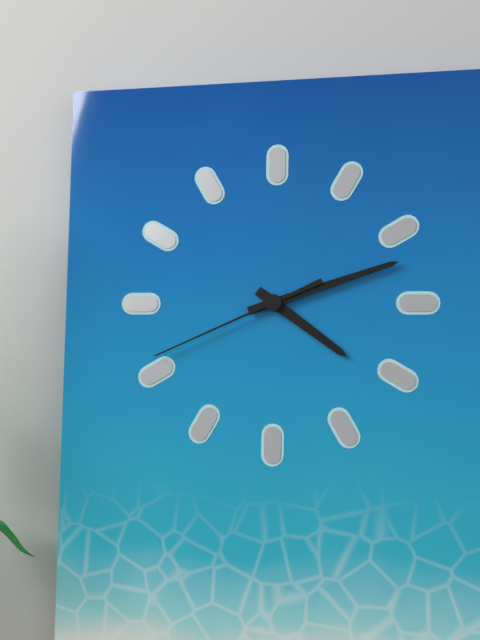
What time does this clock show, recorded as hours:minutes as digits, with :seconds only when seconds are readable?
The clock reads 4:12:41
